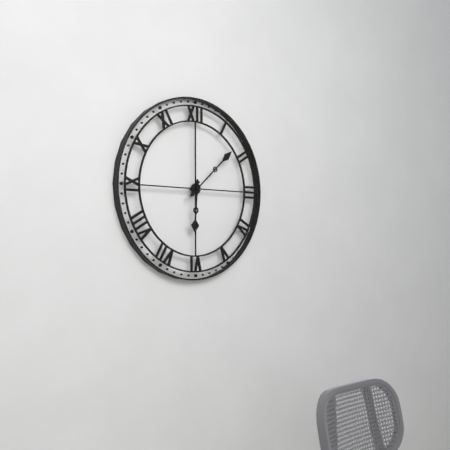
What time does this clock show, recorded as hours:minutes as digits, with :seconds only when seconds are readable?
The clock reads 6:08
